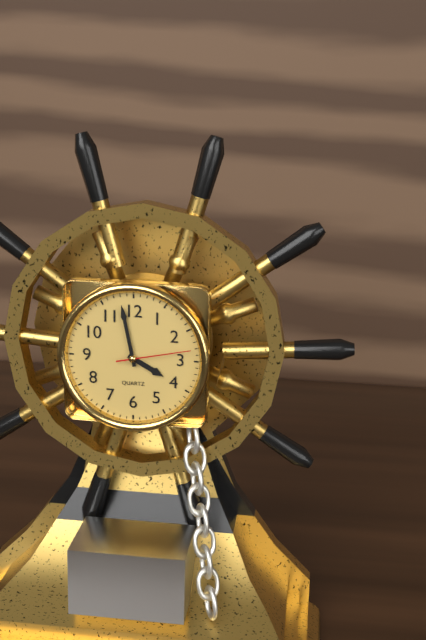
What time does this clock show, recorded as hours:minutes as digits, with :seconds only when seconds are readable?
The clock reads 3:58:13
